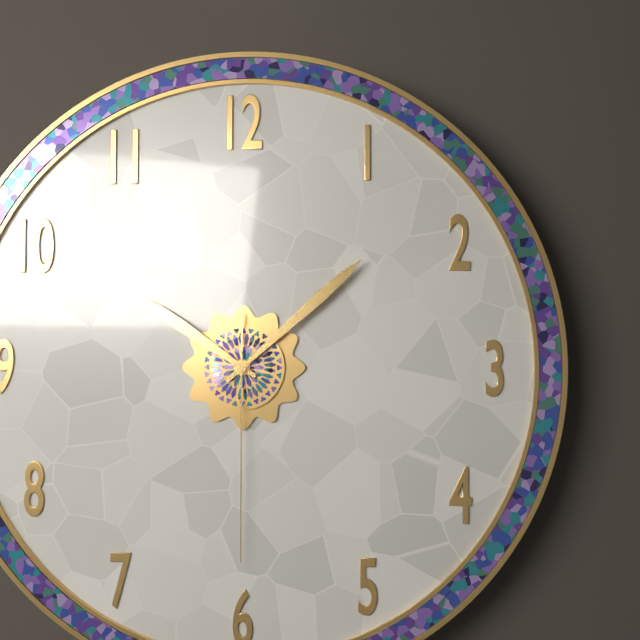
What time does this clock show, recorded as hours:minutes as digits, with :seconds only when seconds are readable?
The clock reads 10:08:30
